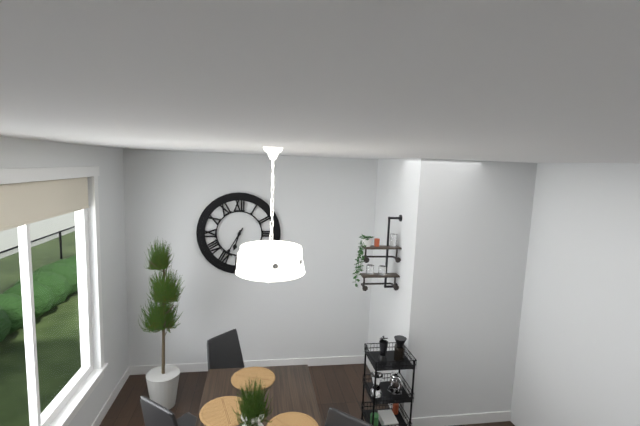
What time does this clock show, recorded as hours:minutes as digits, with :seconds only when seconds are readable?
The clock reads 6:35
